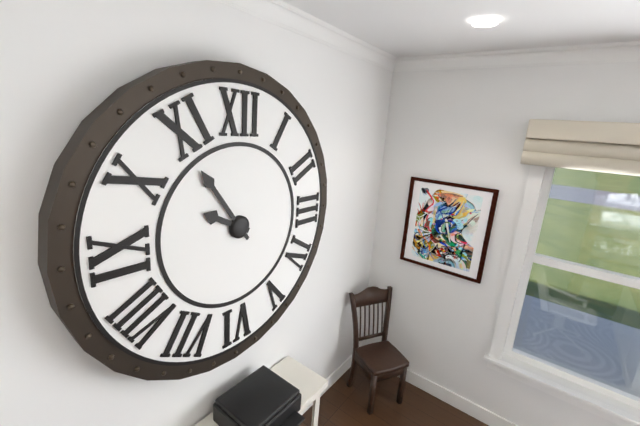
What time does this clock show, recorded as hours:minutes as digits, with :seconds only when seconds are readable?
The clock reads 9:54
